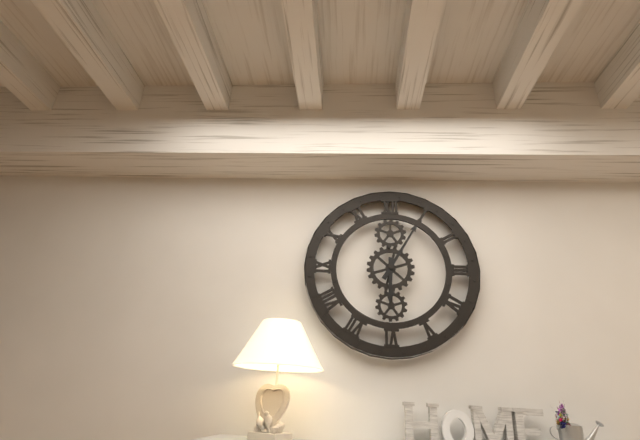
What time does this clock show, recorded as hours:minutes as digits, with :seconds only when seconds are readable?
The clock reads 6:05
